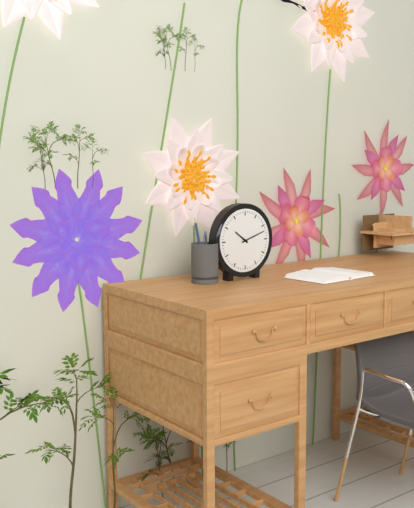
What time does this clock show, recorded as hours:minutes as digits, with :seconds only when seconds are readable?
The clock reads 10:12
